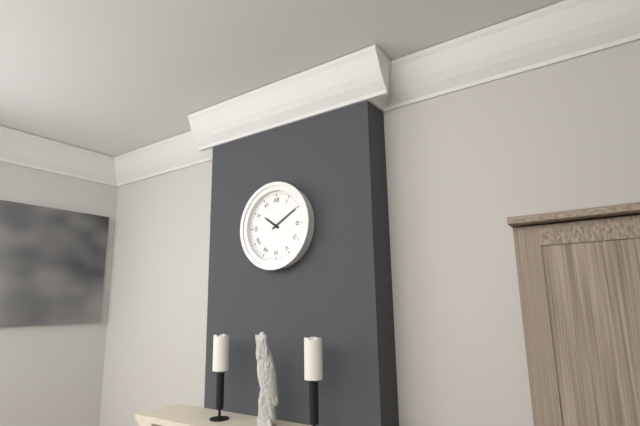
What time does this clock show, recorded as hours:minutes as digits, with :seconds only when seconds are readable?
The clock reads 10:10
